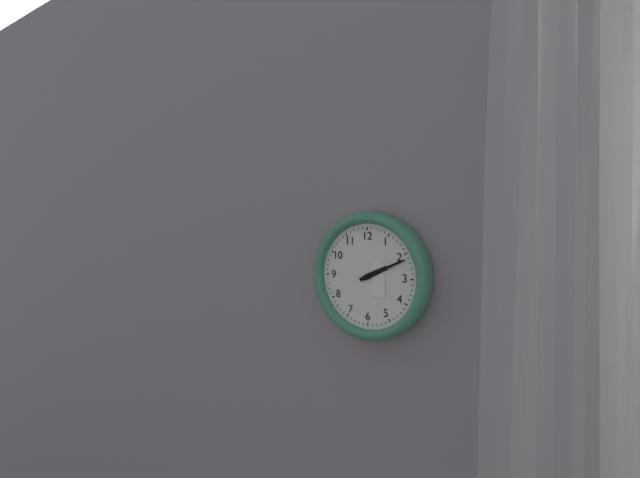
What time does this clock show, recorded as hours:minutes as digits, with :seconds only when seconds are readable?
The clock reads 2:11
